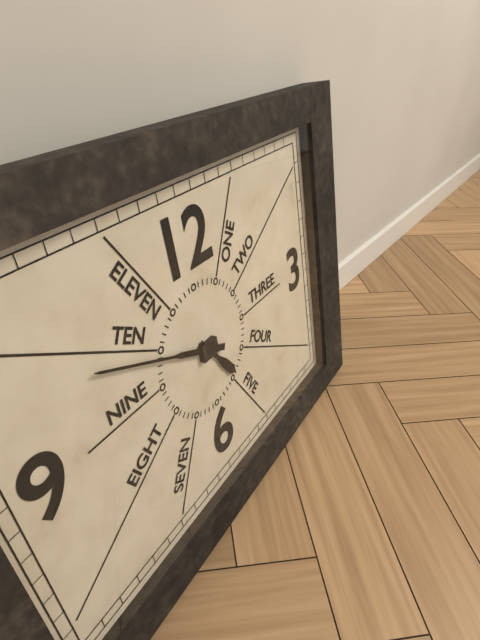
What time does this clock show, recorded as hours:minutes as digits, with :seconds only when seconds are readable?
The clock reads 4:49
